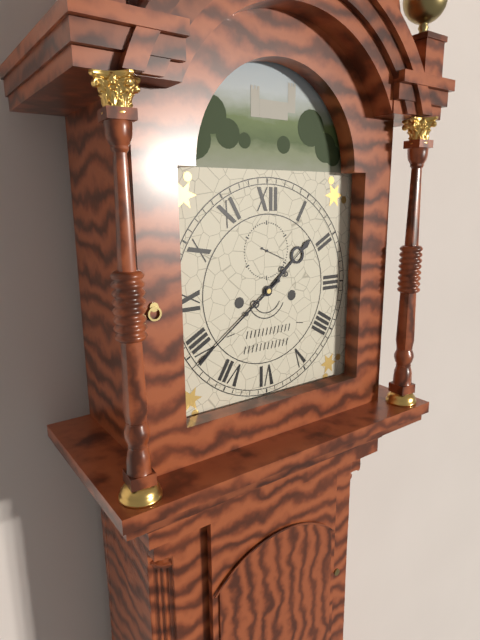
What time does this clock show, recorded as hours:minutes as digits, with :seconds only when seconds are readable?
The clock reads 1:39
